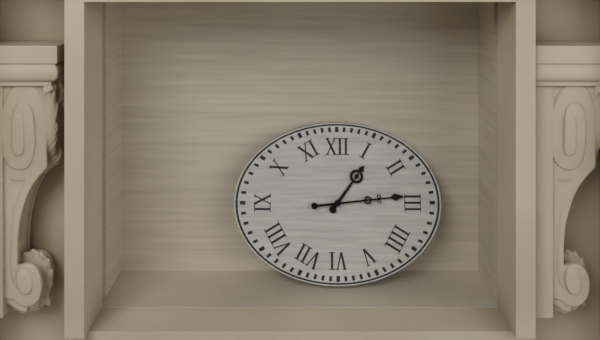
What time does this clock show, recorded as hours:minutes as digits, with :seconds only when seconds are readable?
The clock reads 1:14
